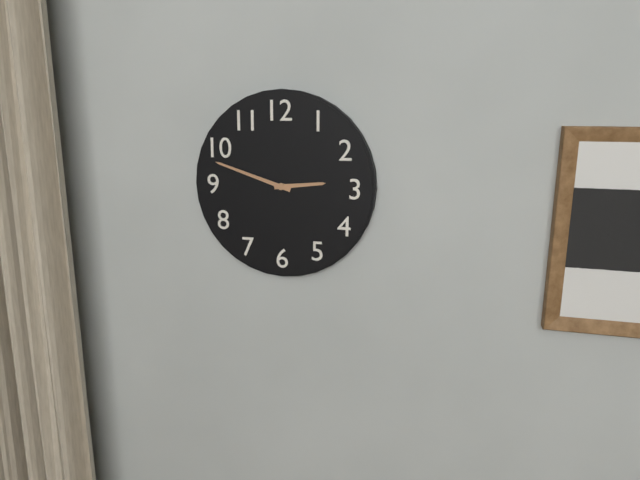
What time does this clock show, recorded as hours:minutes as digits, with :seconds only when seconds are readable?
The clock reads 2:48
